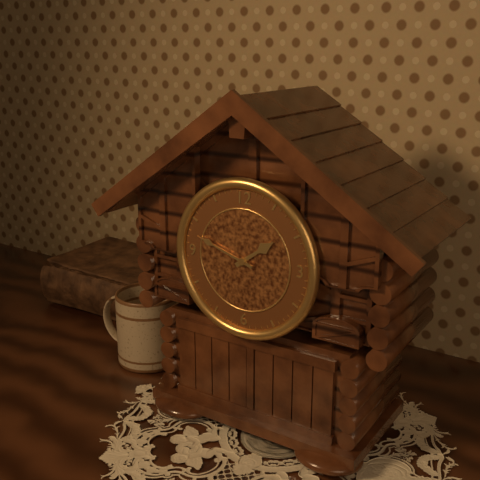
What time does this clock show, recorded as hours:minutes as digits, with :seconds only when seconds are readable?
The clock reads 1:48
